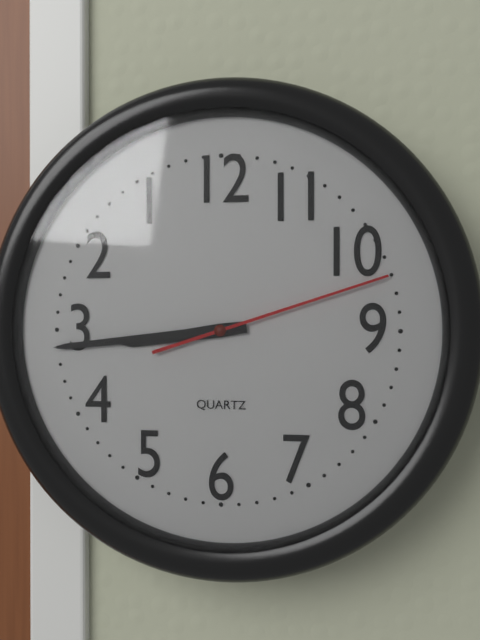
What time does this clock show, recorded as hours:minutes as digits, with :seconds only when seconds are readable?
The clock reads 8:44:12
